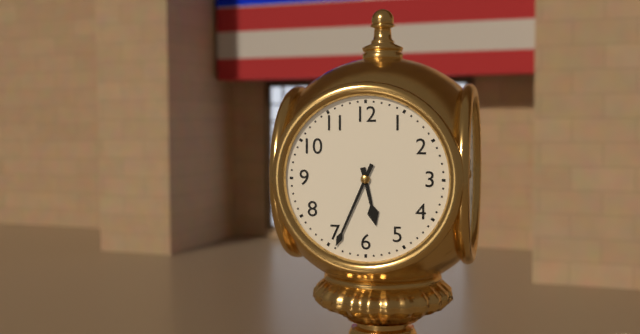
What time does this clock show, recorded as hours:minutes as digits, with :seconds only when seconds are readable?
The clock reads 5:34
